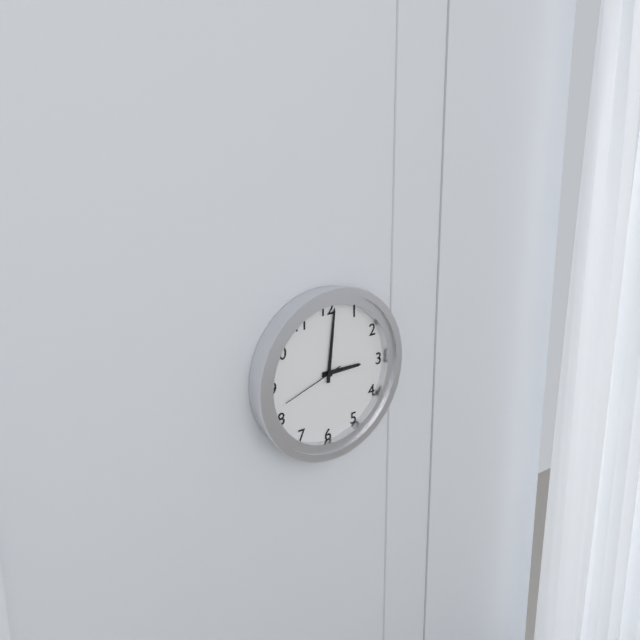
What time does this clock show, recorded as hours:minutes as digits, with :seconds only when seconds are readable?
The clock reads 3:01:42
